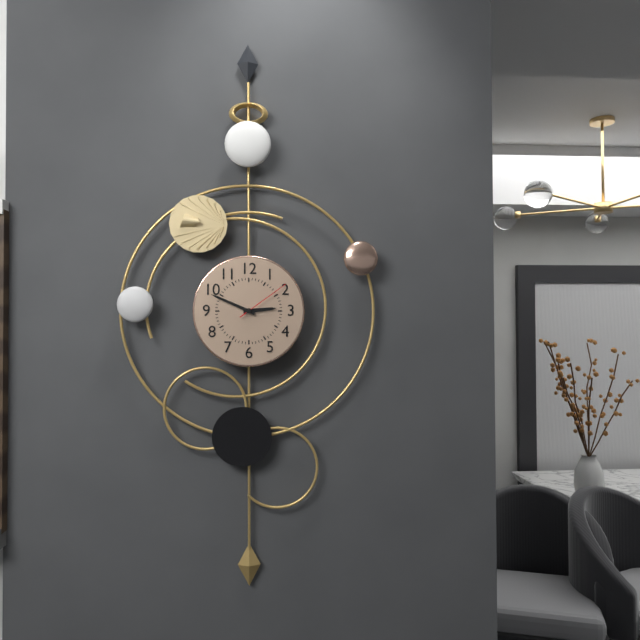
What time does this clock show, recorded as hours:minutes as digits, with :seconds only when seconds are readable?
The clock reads 2:49:09
